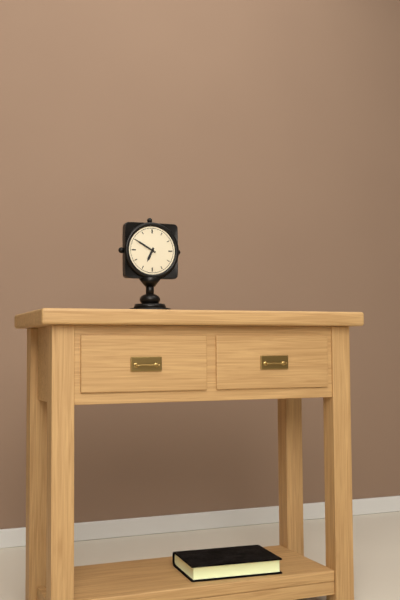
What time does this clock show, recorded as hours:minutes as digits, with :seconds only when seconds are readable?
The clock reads 6:50
